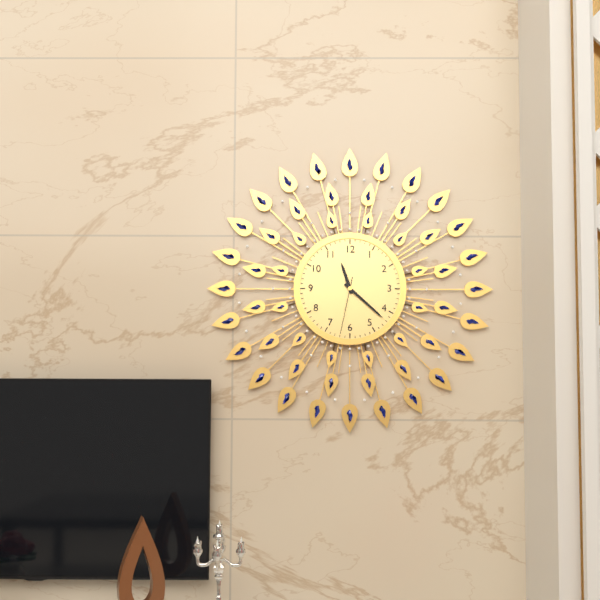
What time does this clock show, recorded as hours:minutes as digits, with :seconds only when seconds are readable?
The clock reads 11:22:32
